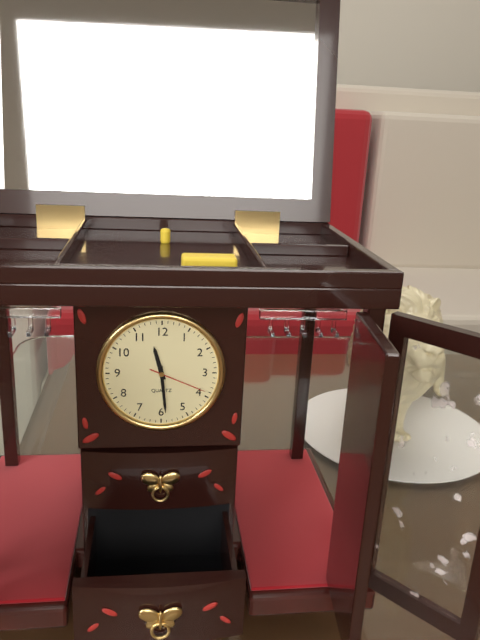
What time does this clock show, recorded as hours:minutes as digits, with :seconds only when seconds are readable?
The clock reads 11:29:19
